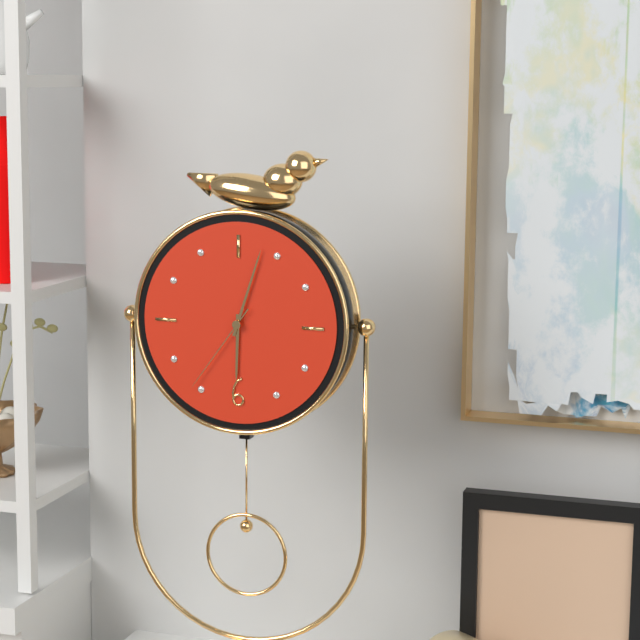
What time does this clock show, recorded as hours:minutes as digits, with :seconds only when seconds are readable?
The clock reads 6:03:36
